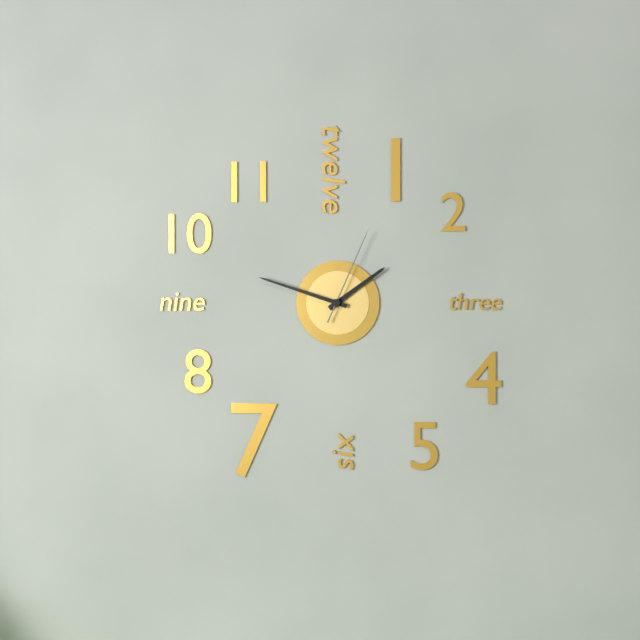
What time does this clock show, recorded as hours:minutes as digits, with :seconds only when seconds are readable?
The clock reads 1:48:04
